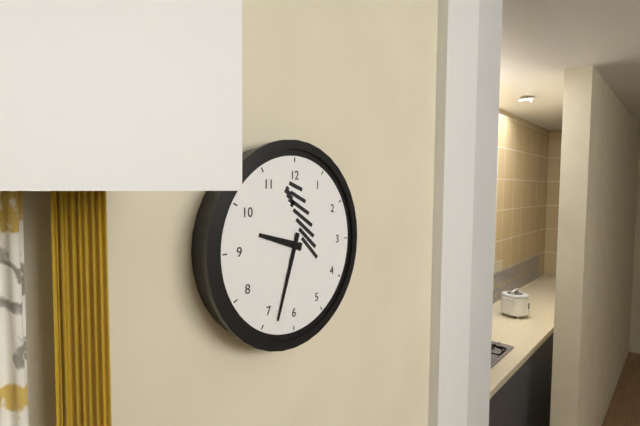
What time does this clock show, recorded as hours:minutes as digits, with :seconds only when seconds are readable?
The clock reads 9:33
